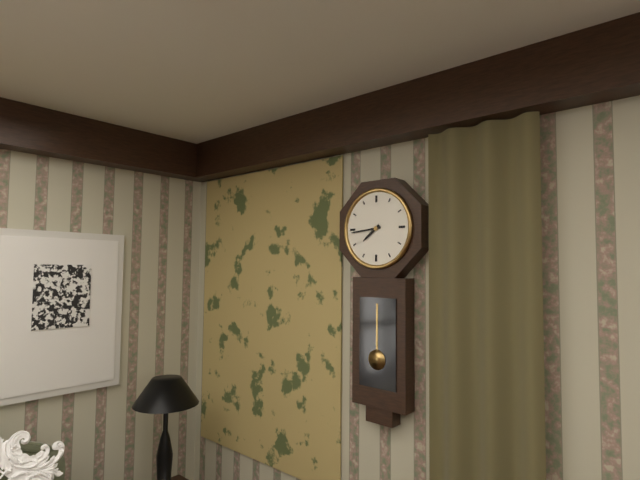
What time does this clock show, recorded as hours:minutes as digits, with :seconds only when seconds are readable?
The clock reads 7:44
